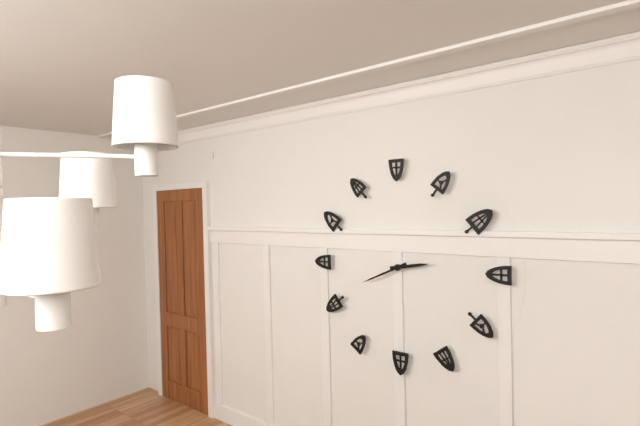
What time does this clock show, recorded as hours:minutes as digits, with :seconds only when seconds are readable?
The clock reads 2:41
